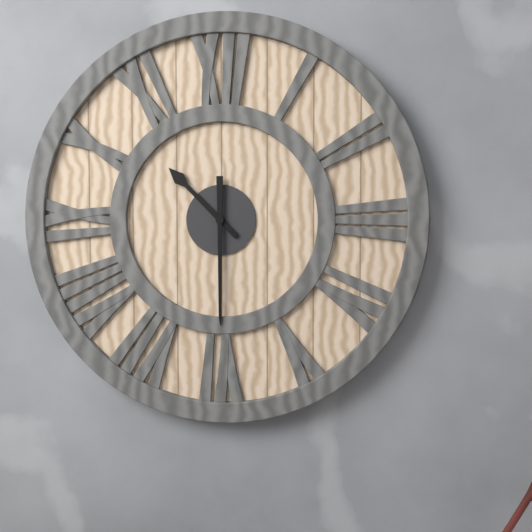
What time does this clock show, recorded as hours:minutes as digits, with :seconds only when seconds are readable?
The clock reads 10:30
